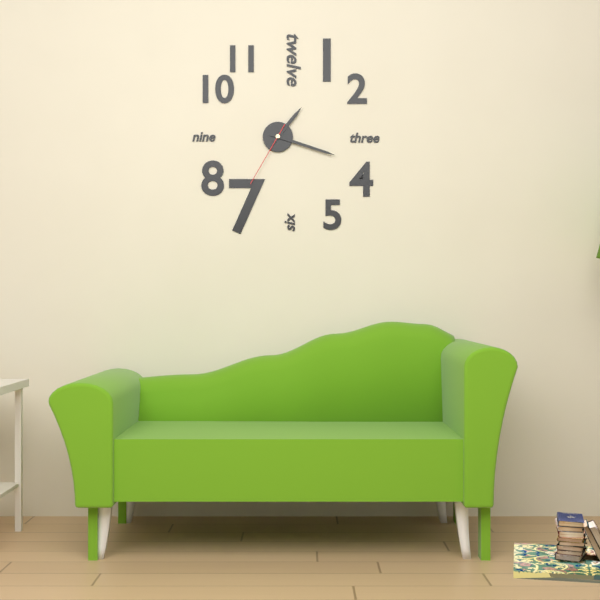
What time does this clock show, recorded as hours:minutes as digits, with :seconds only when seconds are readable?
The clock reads 1:18:35
